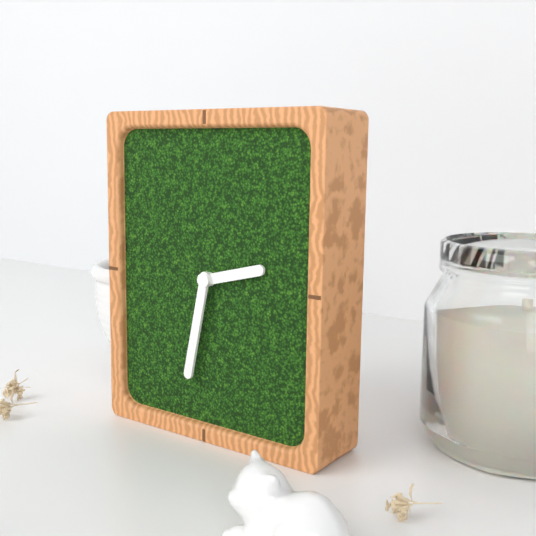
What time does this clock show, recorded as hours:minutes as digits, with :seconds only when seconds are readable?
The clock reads 2:32
